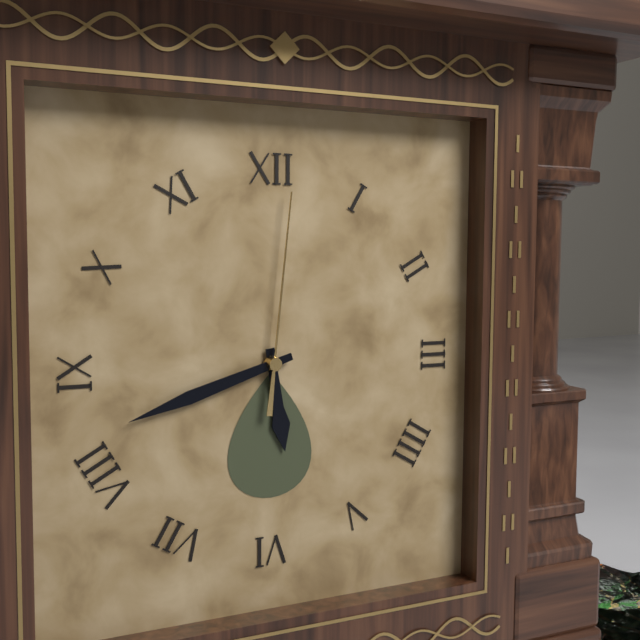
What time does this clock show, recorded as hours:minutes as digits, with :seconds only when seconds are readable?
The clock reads 5:42:01
